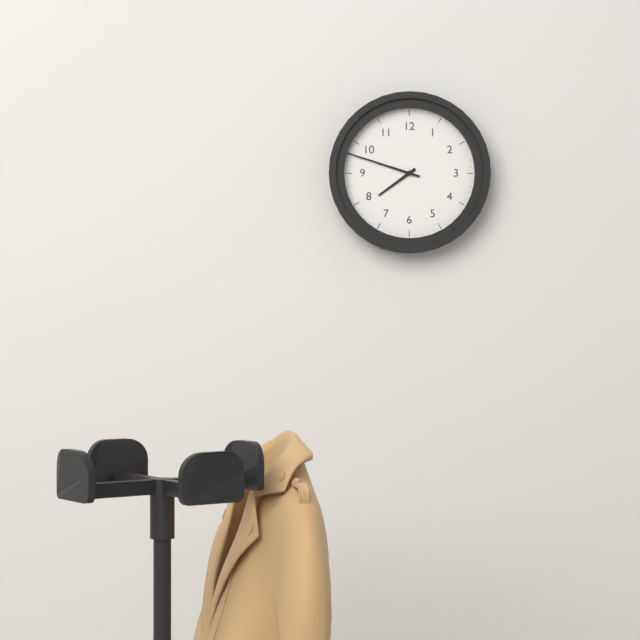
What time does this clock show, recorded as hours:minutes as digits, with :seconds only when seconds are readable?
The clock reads 7:48
